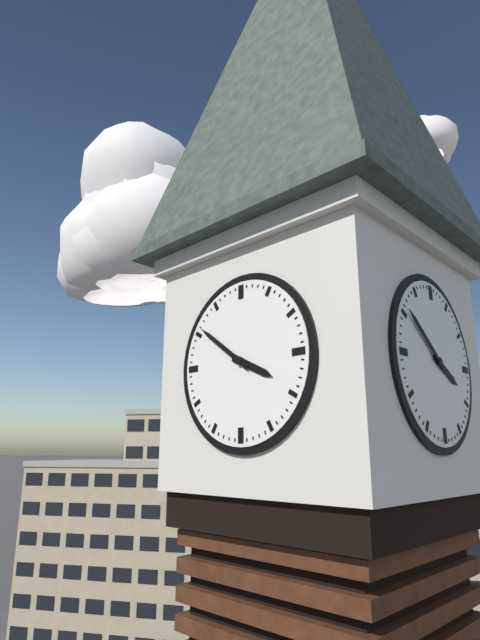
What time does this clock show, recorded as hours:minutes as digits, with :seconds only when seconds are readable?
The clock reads 3:51
